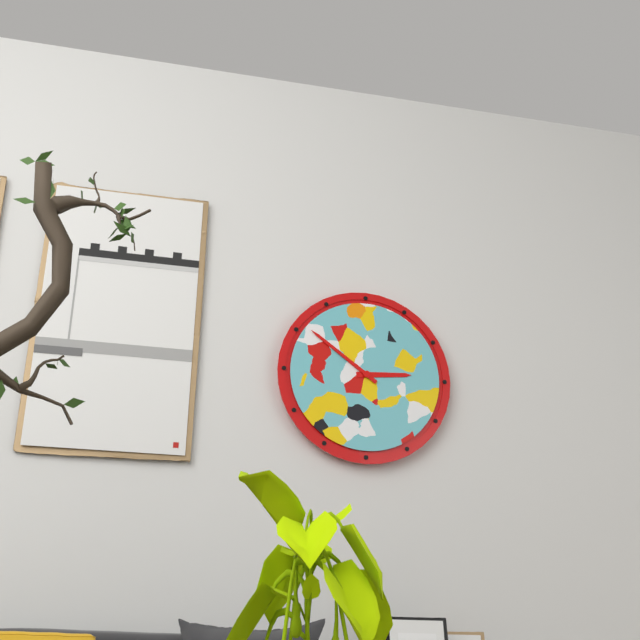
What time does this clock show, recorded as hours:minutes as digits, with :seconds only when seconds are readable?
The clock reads 2:51
